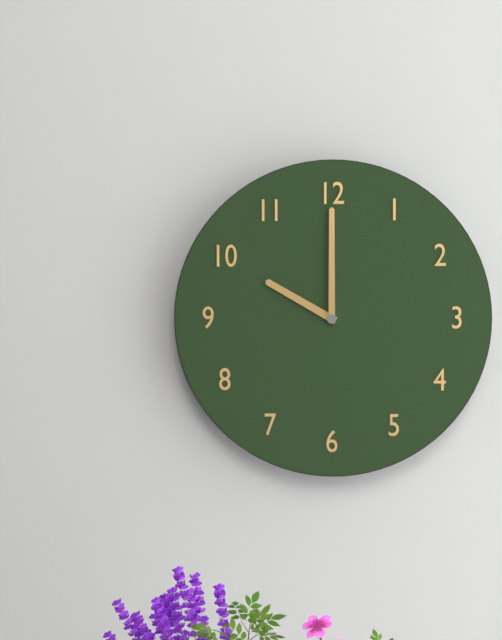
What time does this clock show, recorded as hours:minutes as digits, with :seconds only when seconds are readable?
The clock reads 10:00
